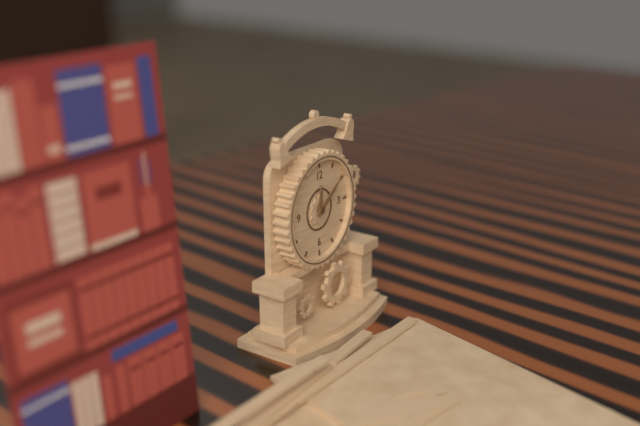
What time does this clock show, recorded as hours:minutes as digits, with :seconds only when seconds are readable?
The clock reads 12:09
